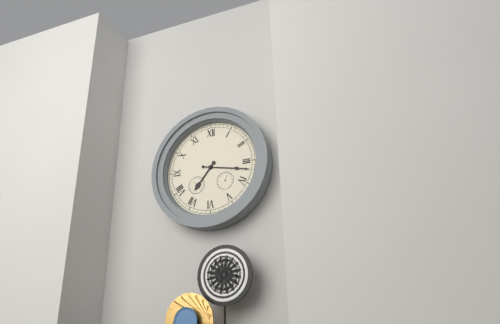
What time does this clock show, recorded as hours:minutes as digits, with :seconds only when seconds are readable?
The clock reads 7:17
